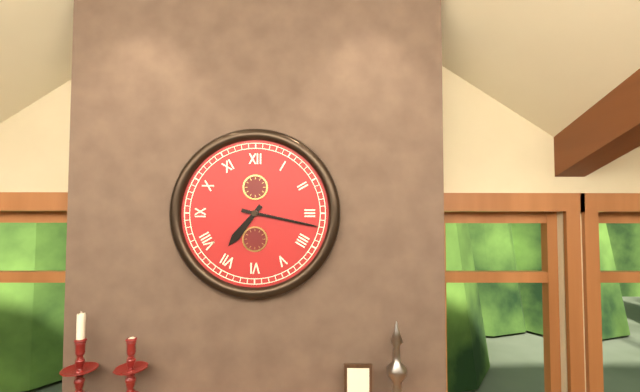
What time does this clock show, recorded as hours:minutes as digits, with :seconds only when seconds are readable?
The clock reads 7:17
